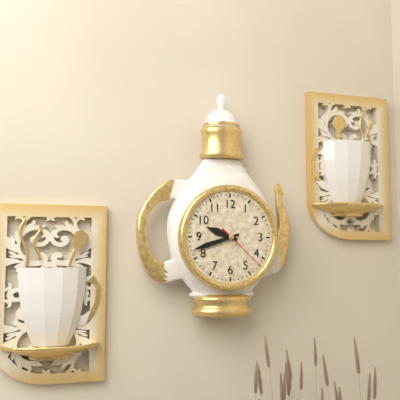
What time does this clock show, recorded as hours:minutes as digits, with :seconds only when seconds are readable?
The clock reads 9:42:22
